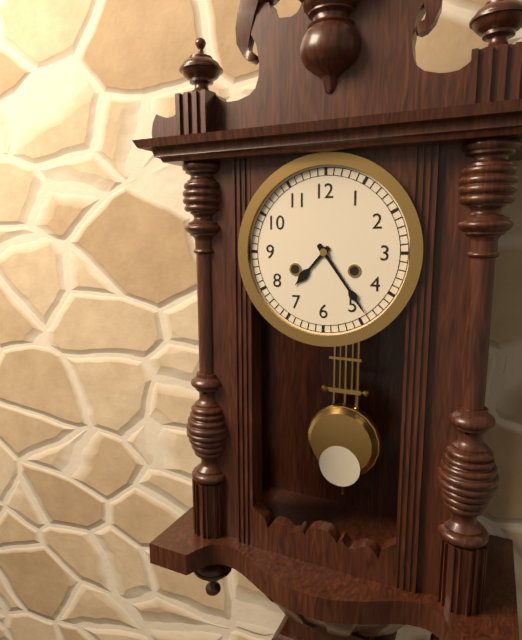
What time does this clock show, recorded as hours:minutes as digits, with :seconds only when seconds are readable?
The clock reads 7:24
